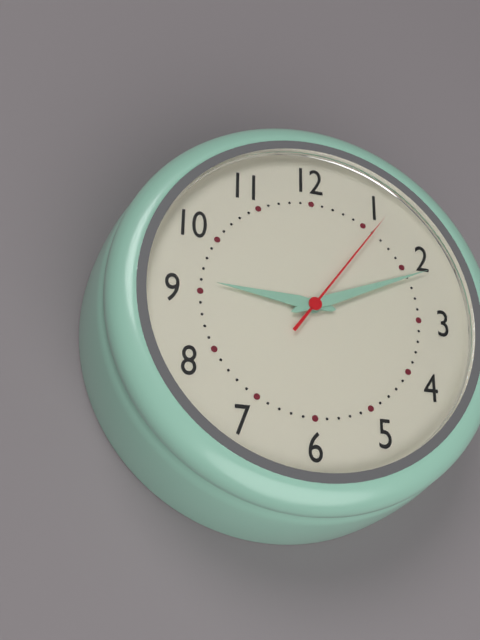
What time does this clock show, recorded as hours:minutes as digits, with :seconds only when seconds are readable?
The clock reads 9:11:06
